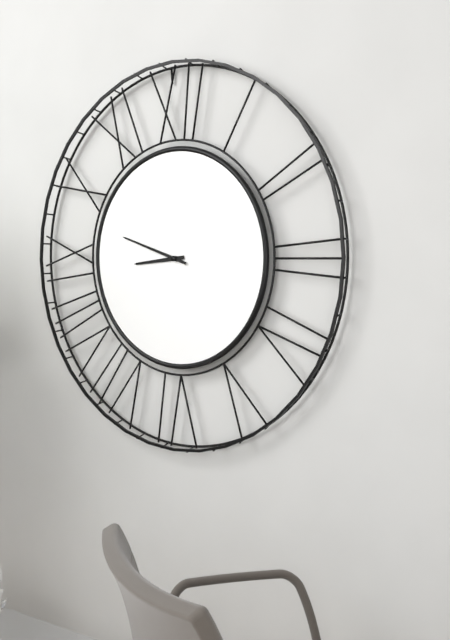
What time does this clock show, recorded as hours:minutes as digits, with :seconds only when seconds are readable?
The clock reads 8:48
